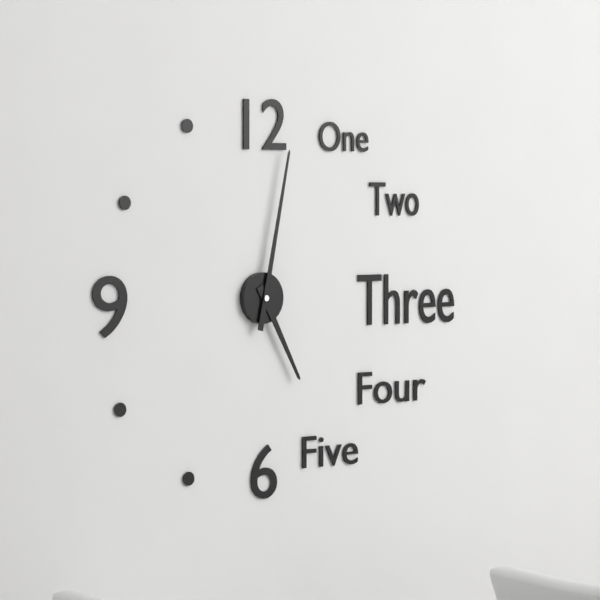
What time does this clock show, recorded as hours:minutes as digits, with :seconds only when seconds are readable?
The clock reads 5:02
